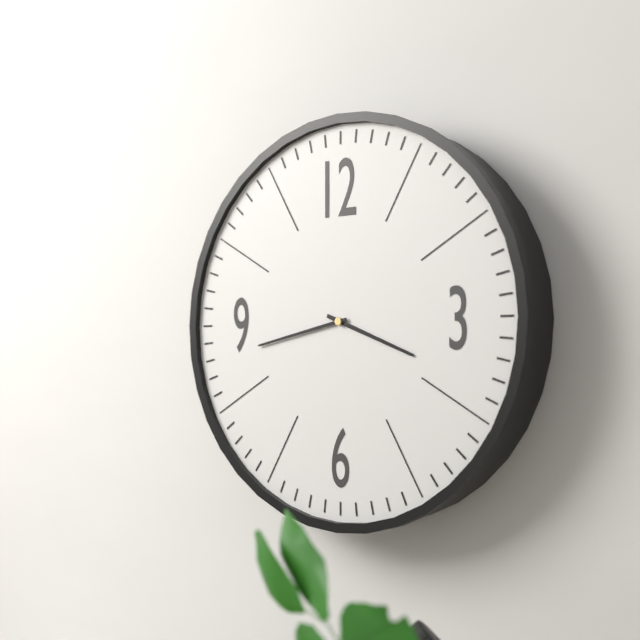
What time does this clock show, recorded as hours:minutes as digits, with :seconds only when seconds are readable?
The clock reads 3:43
